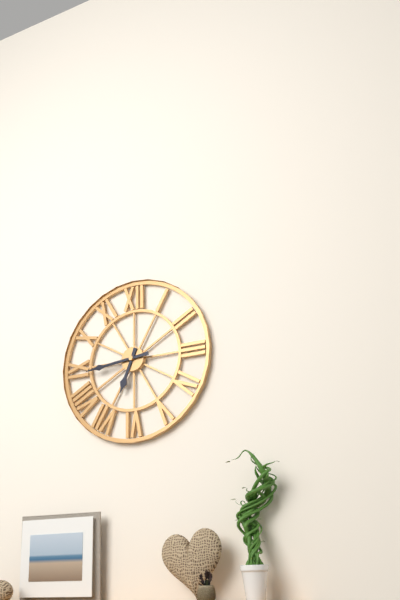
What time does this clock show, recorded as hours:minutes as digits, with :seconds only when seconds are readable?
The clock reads 6:44
